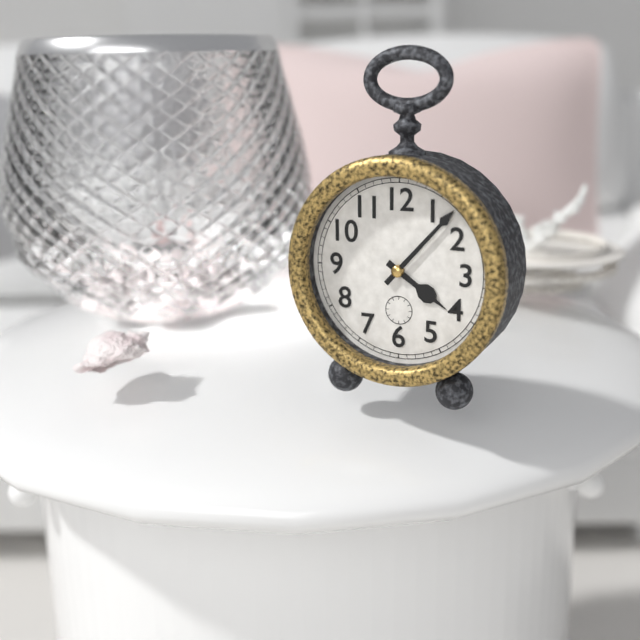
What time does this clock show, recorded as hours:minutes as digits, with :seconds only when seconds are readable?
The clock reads 4:07
